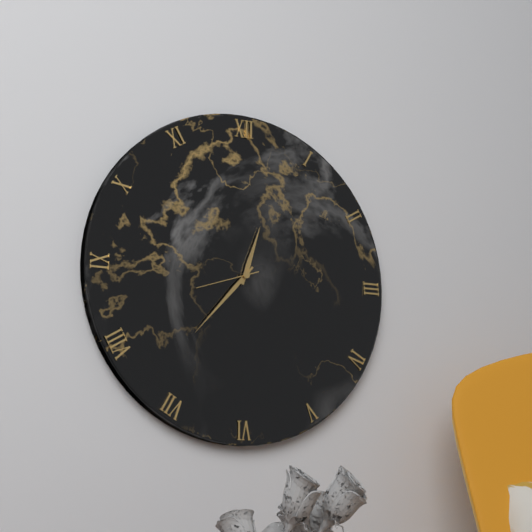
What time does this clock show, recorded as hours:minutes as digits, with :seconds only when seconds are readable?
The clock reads 12:37:42
